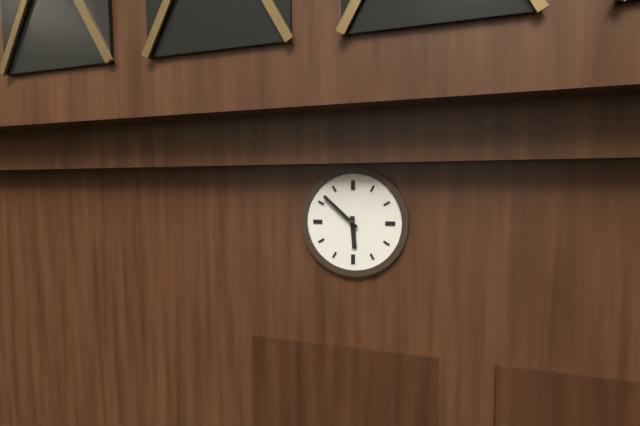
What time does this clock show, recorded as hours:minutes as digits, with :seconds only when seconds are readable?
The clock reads 5:52
